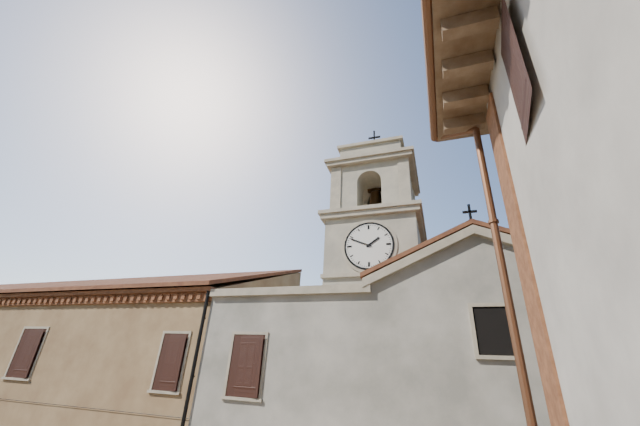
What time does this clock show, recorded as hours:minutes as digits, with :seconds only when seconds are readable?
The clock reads 1:49
